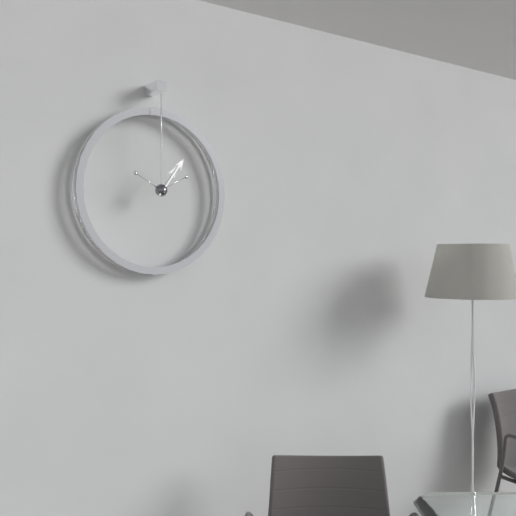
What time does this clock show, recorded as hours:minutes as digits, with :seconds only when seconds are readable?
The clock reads 1:06
